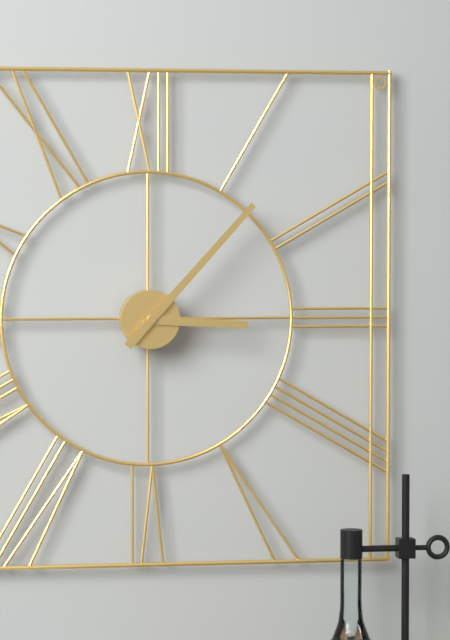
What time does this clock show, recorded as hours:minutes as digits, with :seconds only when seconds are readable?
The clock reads 3:07
